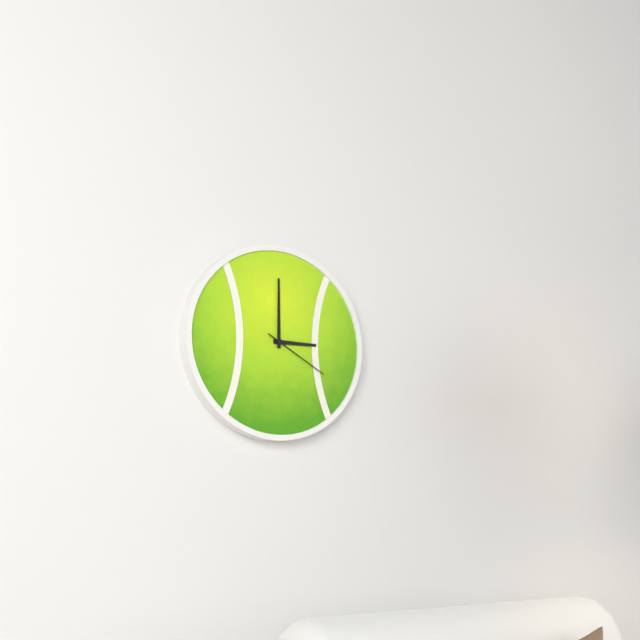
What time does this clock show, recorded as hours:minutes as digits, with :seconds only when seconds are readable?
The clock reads 3:00:20
